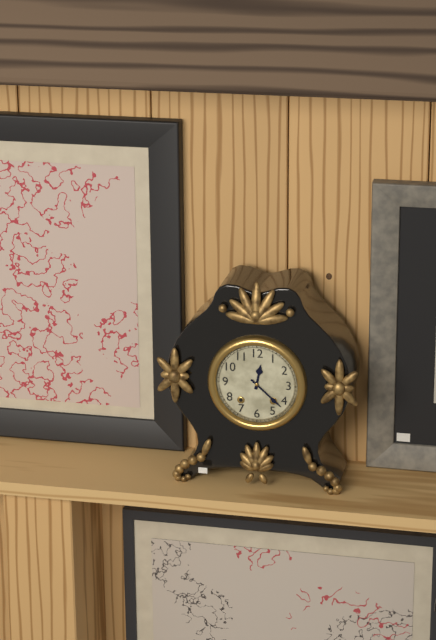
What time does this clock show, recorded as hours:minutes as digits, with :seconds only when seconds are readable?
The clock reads 12:22
